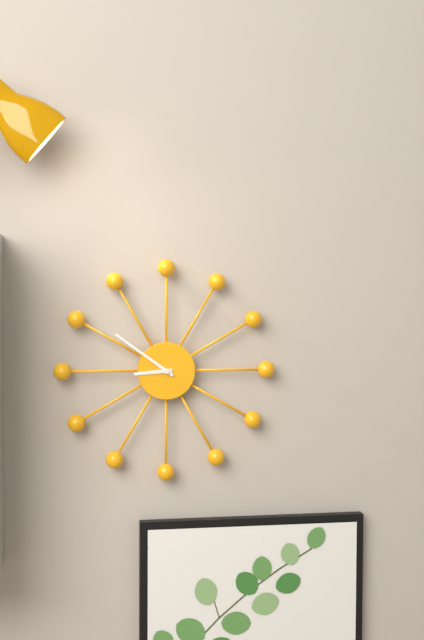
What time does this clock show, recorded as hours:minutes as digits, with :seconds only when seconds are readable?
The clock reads 8:51
